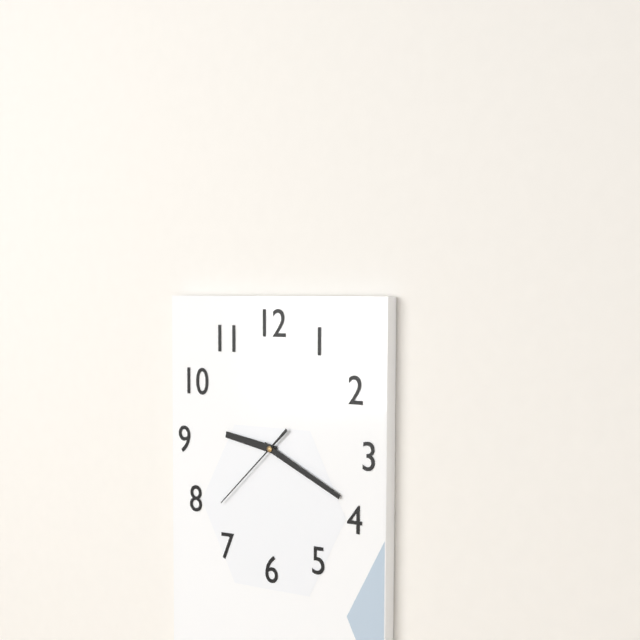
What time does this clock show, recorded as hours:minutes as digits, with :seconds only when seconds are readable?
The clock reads 9:19:38
